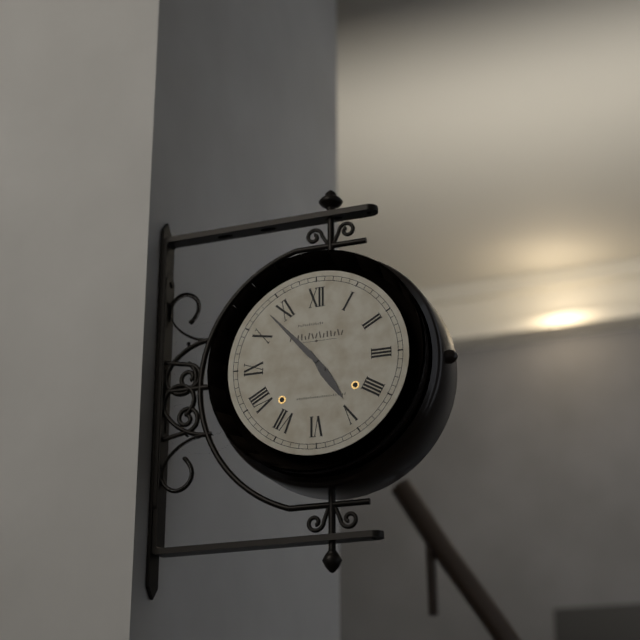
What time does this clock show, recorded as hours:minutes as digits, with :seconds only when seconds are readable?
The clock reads 4:53
